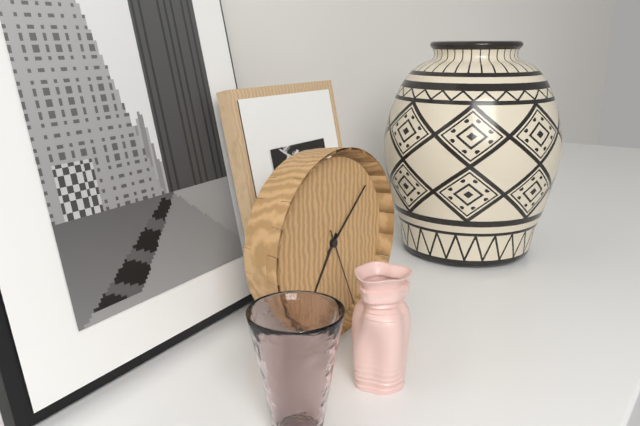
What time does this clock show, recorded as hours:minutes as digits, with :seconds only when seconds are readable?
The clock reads 7:08:26
